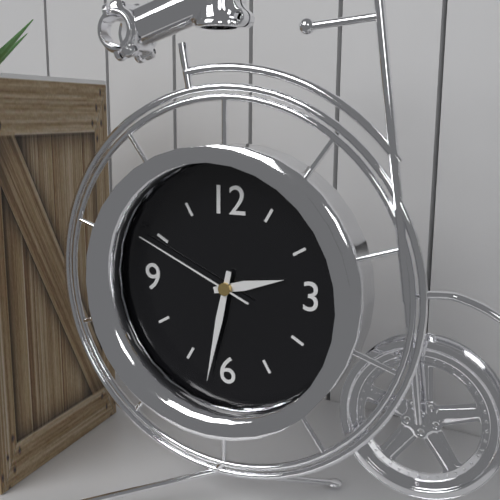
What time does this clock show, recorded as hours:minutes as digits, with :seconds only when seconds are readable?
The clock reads 2:32:49
